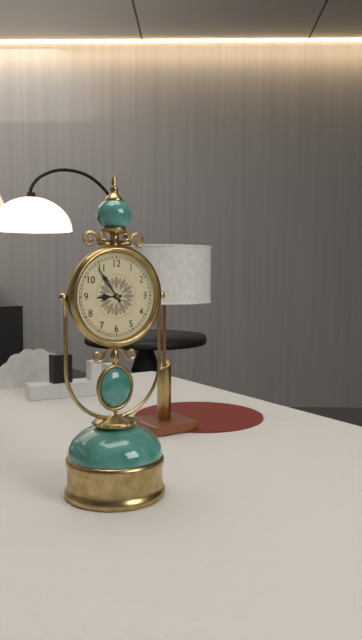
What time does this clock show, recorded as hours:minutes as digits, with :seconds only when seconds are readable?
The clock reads 8:54
